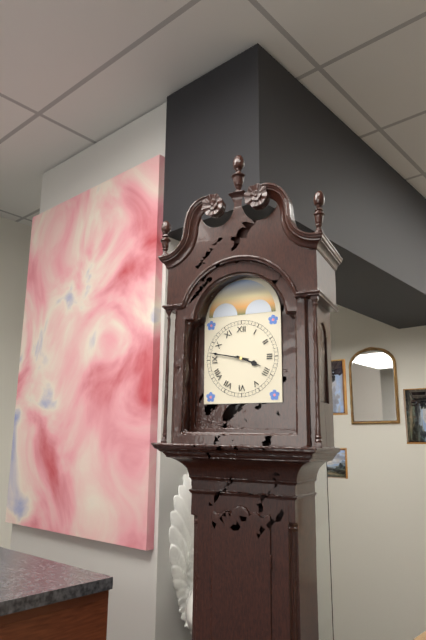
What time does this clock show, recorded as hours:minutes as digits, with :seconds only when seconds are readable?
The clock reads 3:47
